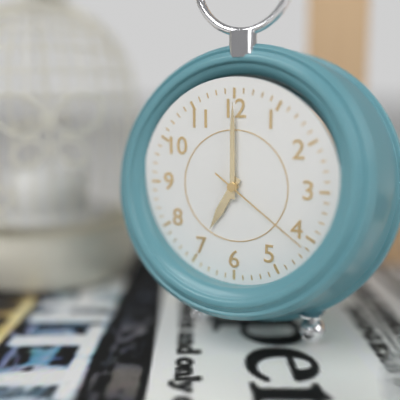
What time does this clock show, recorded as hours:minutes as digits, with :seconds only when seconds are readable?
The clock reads 7:00:21
